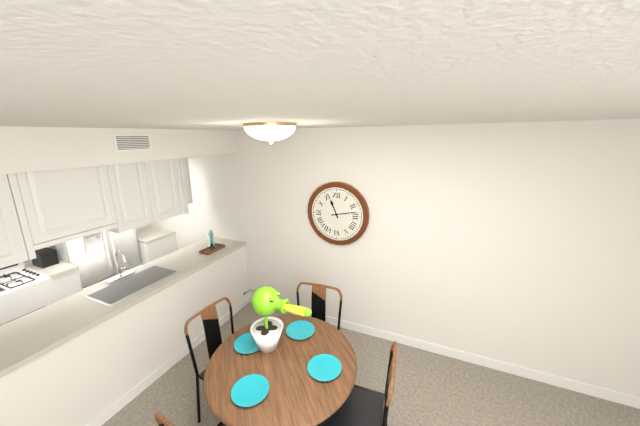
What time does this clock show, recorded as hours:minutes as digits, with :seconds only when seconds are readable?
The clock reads 11:13
